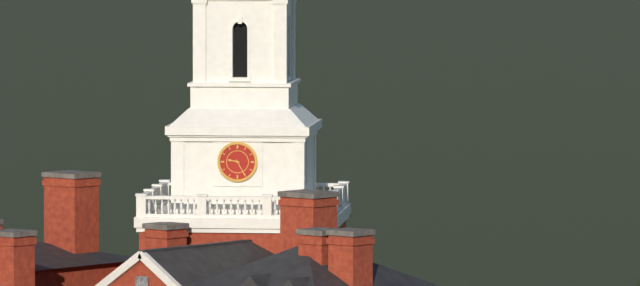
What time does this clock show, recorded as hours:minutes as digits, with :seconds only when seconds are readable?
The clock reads 9:25
